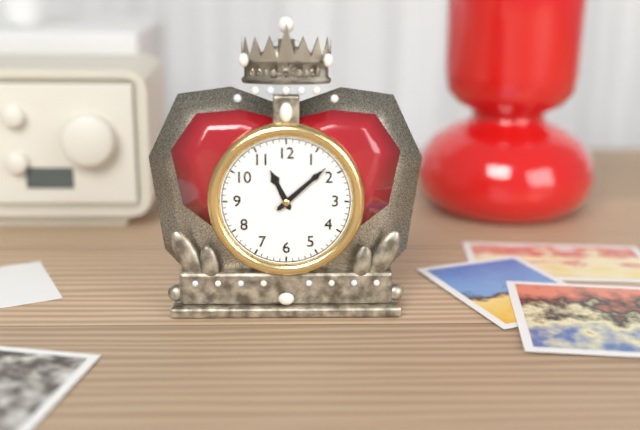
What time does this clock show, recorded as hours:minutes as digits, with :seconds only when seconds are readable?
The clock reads 11:08
